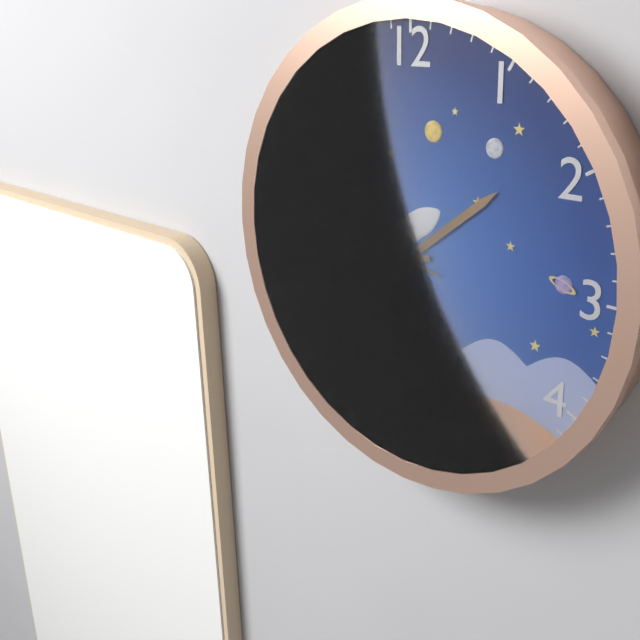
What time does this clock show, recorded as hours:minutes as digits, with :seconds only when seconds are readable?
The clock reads 1:43:47
